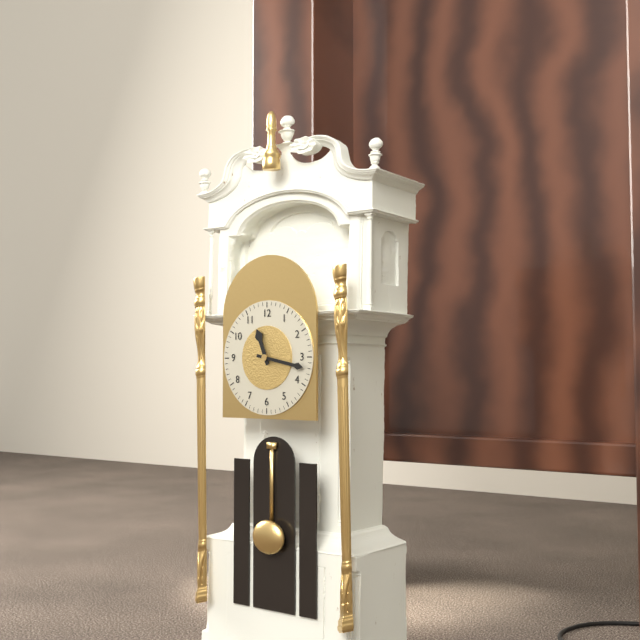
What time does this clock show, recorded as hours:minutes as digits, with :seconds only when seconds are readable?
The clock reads 11:17
